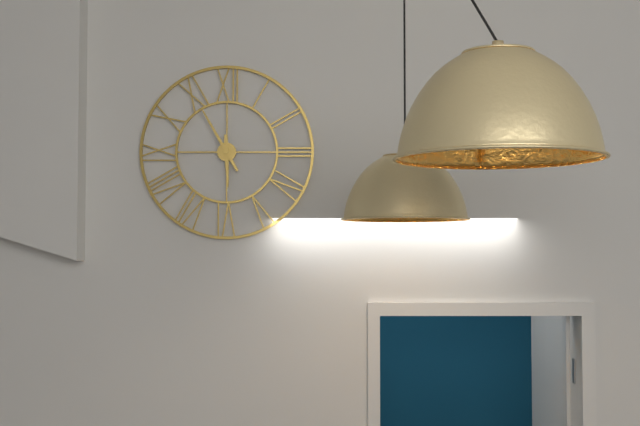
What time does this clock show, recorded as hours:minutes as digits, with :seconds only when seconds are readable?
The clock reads 5:55
